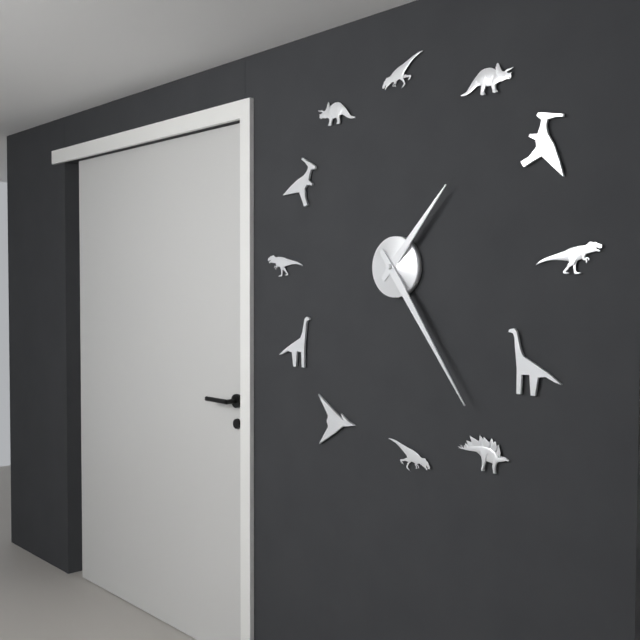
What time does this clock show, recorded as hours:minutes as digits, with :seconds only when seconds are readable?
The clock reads 1:24
